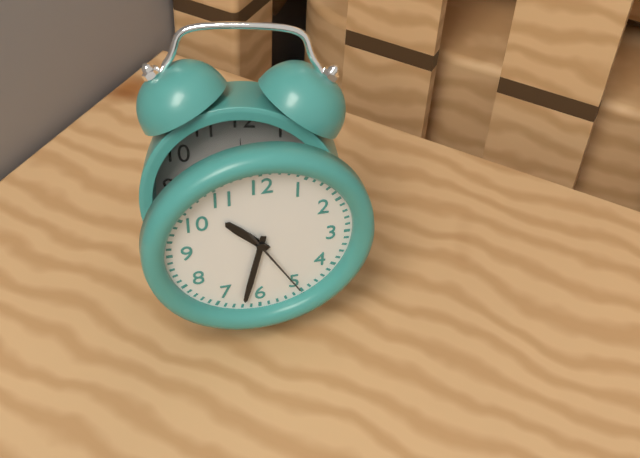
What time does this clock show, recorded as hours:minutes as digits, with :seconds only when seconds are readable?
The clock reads 10:32:25
